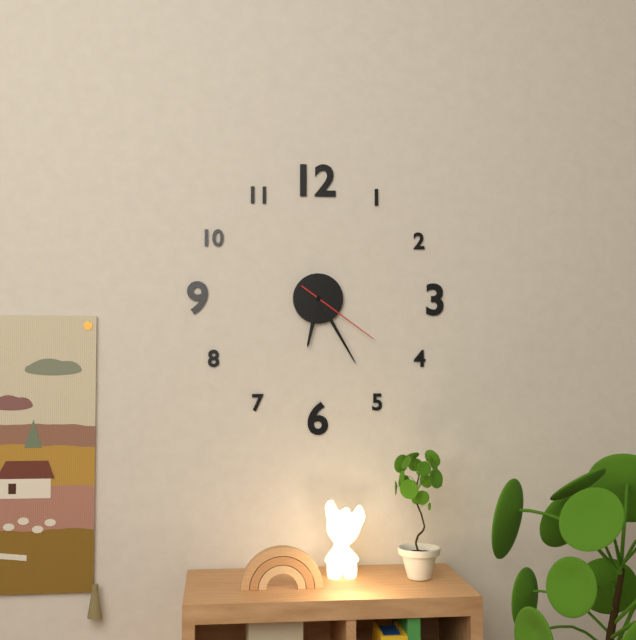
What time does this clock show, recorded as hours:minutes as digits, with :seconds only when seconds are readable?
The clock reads 6:25:21
